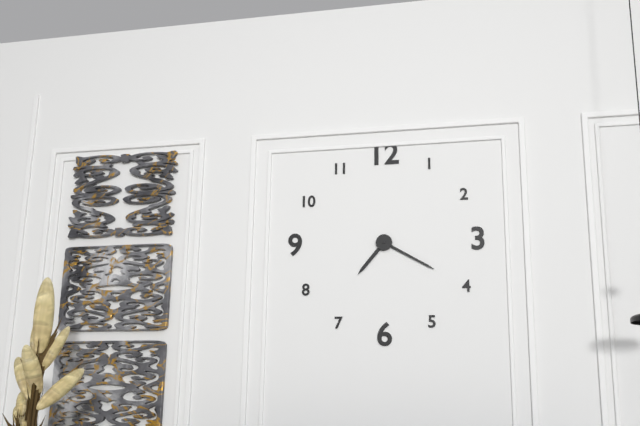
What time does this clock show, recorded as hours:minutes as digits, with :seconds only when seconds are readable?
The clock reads 7:20
